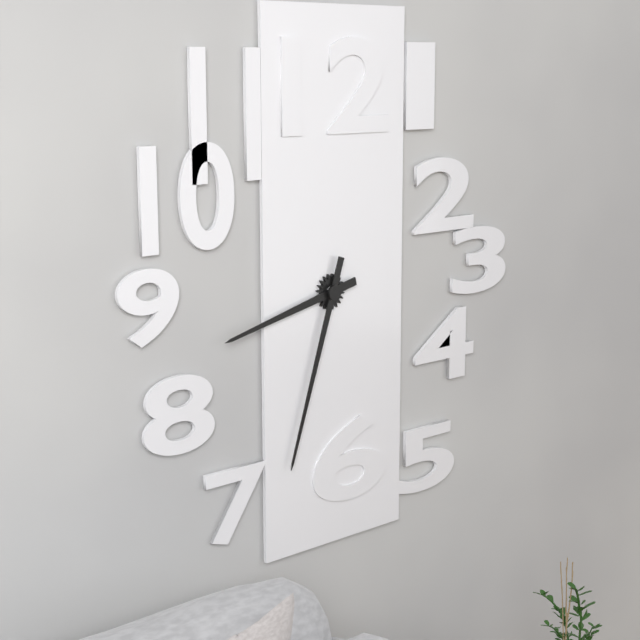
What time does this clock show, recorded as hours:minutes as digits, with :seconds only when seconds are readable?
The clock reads 8:33
